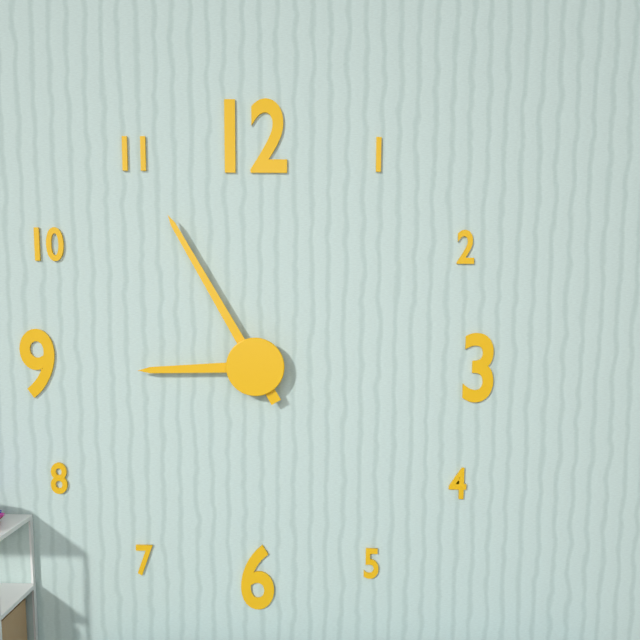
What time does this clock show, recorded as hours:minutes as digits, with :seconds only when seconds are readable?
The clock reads 8:55
